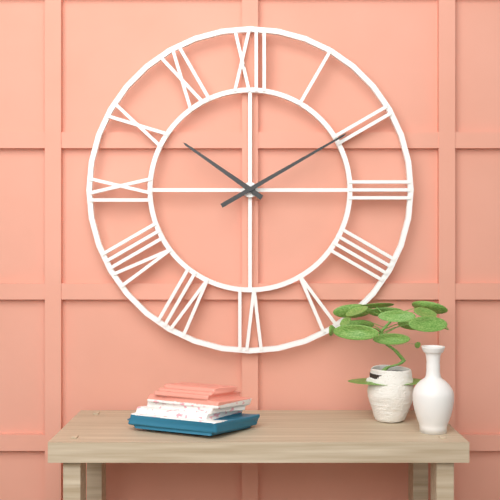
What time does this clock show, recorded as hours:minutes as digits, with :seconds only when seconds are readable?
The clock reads 10:10
